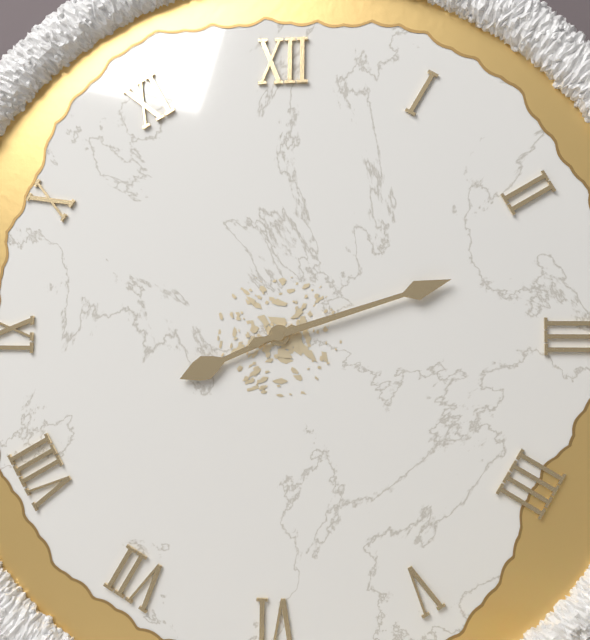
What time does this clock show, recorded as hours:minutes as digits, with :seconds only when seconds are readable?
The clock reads 8:12
